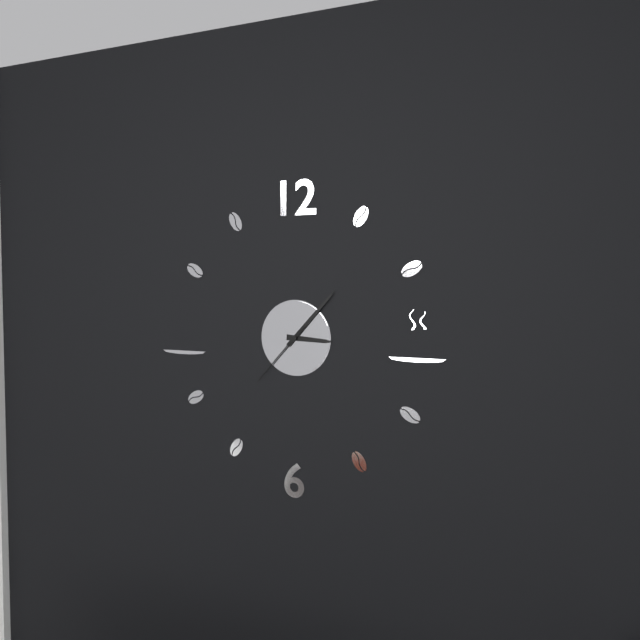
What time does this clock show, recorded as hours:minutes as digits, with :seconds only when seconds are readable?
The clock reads 3:07:37
